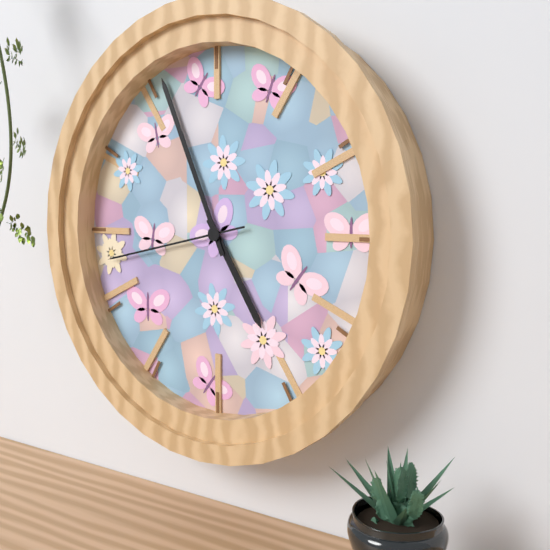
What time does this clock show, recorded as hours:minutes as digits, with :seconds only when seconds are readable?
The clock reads 4:56:43
